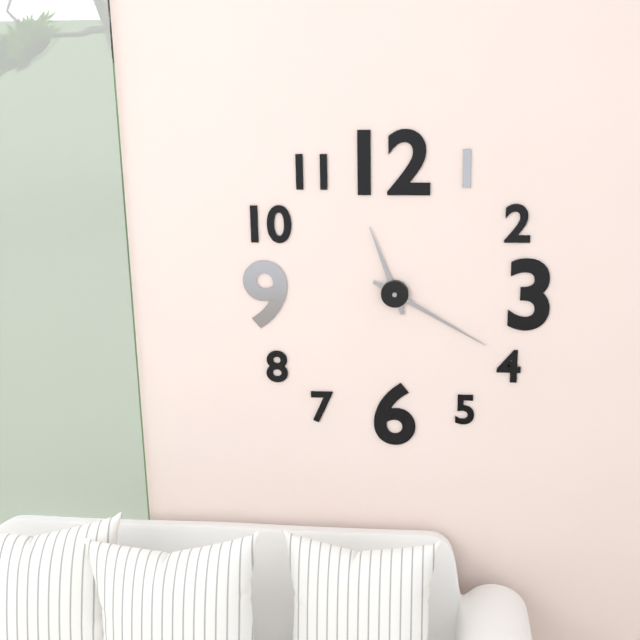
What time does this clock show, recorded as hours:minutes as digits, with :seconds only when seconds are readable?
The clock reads 11:20
